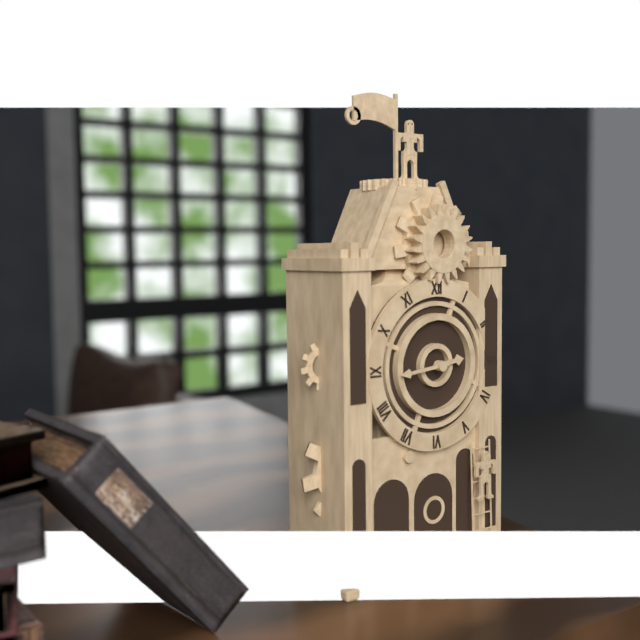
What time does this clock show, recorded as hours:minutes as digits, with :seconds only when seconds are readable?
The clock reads 2:44
